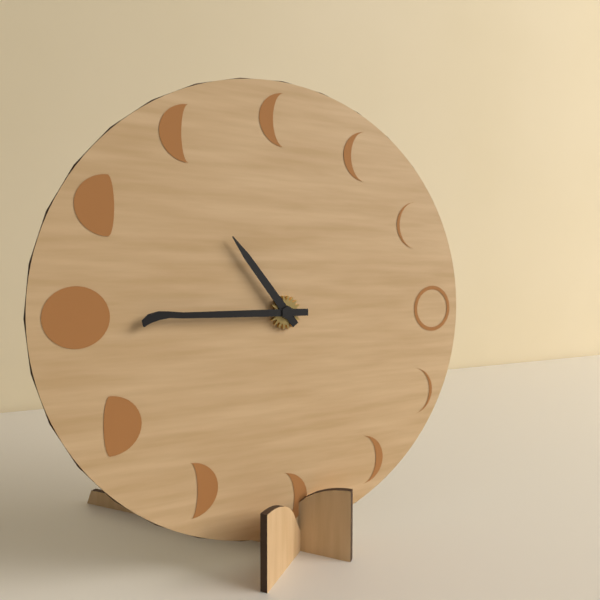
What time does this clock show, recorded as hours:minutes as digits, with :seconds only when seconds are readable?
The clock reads 10:45
